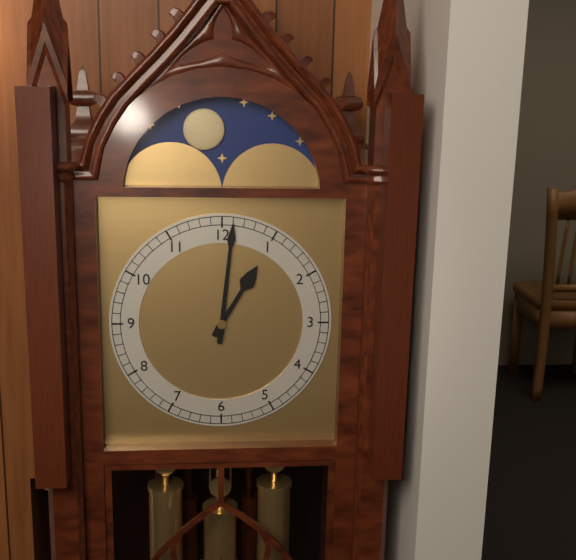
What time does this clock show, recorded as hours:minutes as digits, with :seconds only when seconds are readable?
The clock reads 1:01
